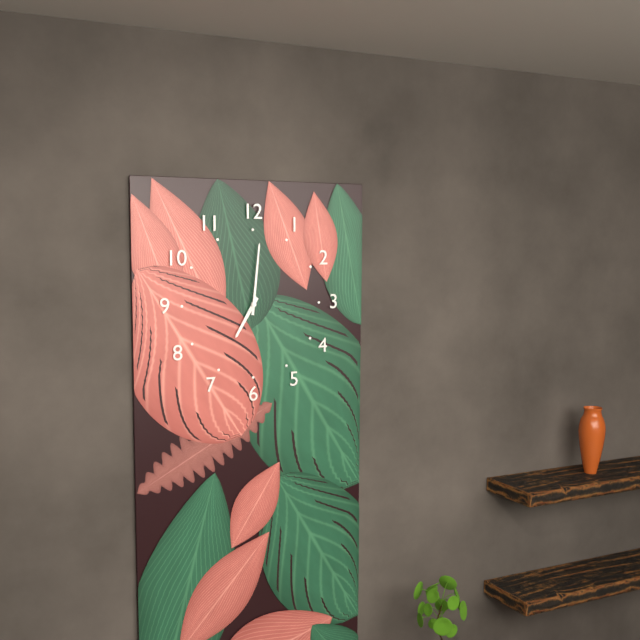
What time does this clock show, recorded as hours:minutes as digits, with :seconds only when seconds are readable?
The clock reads 7:01
